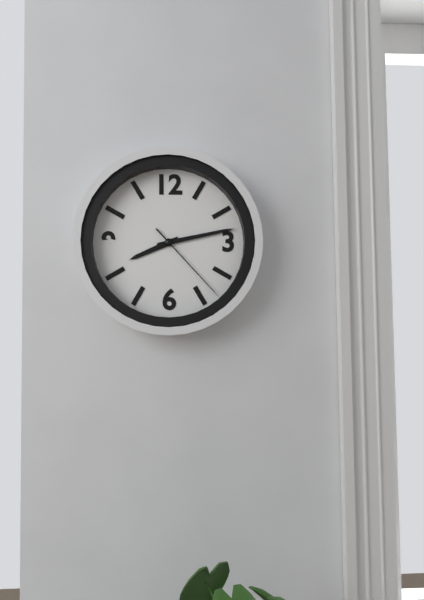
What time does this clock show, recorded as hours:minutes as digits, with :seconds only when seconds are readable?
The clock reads 8:13:23
